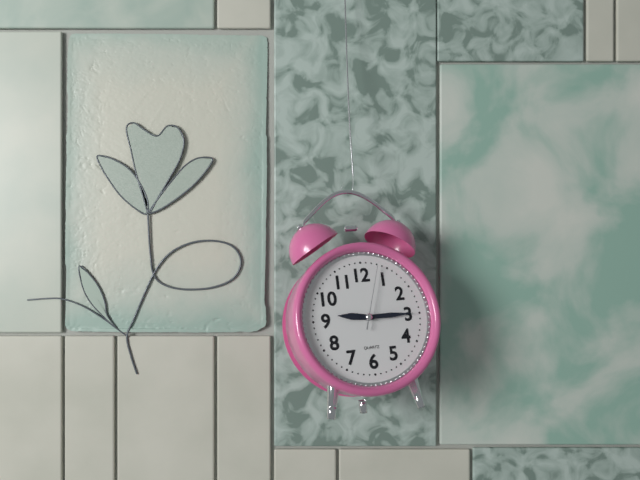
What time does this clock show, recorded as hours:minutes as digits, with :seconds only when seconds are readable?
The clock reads 9:15:03
